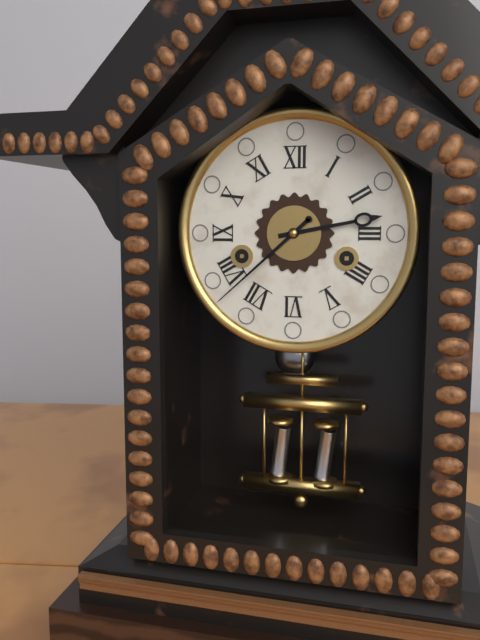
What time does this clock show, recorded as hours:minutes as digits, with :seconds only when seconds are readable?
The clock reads 2:38
